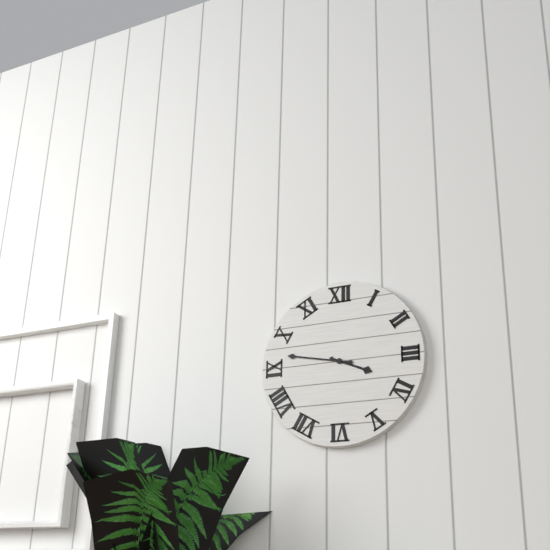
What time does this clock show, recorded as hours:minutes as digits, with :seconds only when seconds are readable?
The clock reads 3:47
